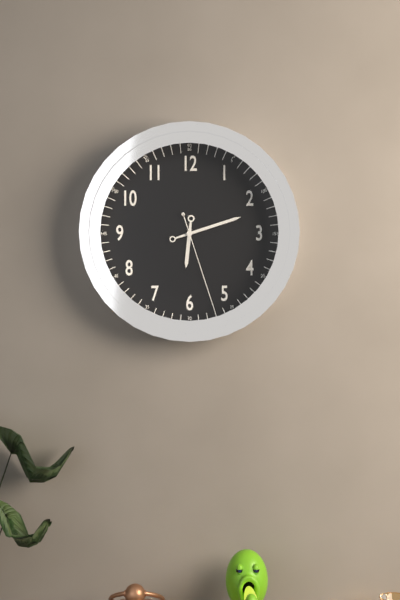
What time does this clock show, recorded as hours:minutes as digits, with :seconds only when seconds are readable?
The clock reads 6:12:27
